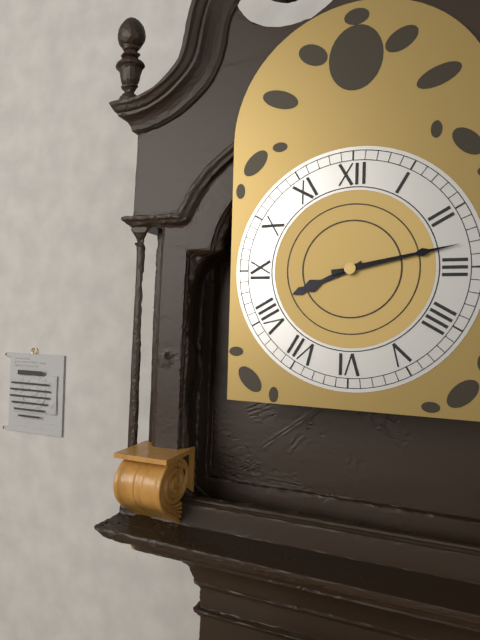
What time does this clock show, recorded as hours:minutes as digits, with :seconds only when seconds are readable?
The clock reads 8:13
